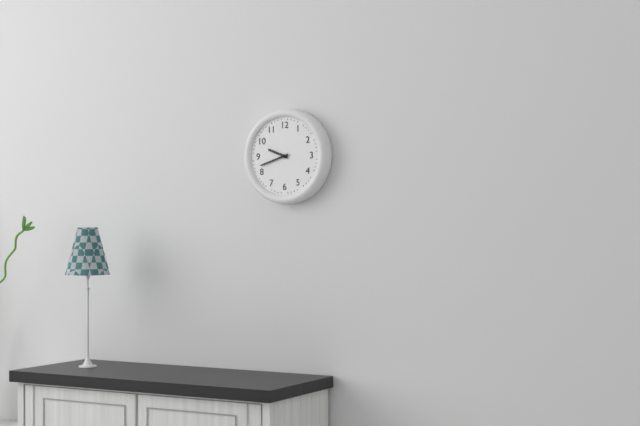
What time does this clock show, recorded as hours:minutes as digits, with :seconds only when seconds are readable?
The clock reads 9:42
